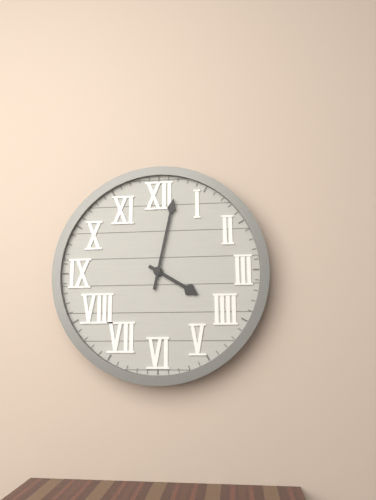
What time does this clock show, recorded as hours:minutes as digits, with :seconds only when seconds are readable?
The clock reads 4:02
